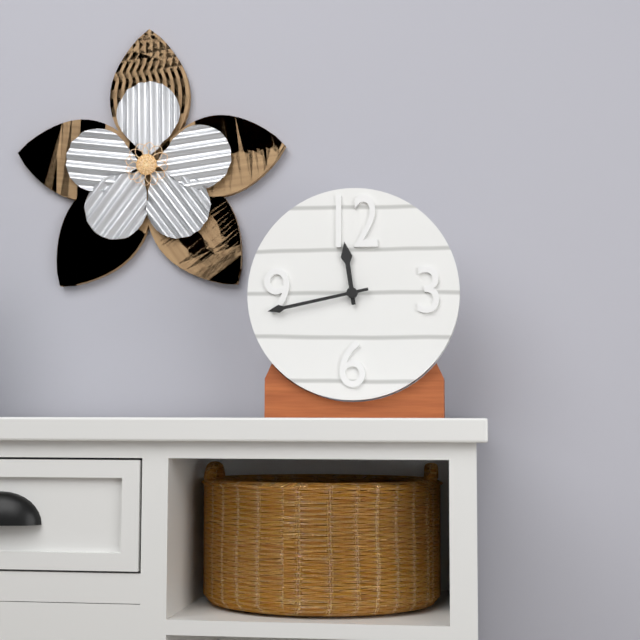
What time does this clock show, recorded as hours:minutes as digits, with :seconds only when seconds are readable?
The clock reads 11:43
